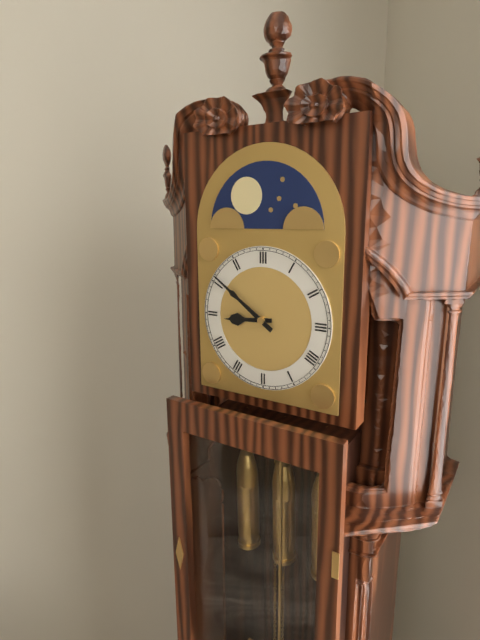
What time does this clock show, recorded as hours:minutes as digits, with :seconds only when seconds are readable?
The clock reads 8:51
